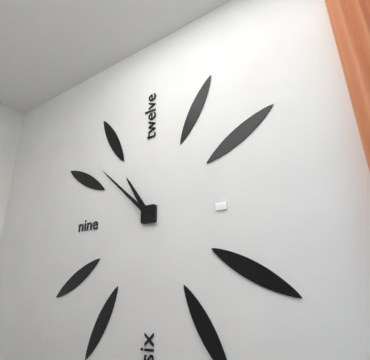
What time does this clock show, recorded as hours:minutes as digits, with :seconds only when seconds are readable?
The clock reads 10:52
